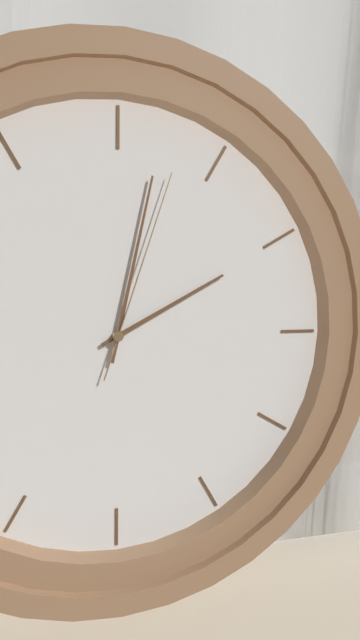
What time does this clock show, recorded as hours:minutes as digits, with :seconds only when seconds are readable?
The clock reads 2:02:03
